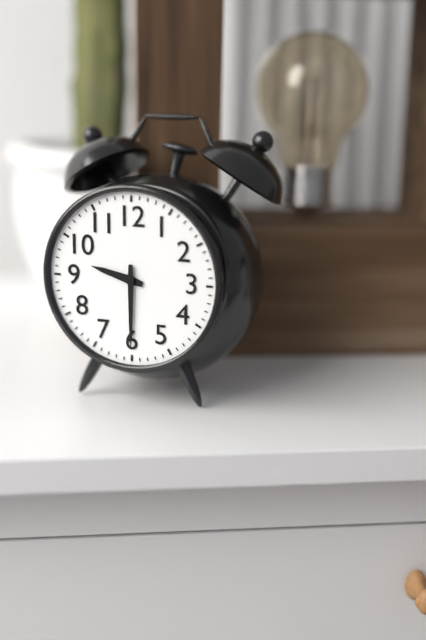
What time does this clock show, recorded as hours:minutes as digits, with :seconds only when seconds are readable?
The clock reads 9:30
